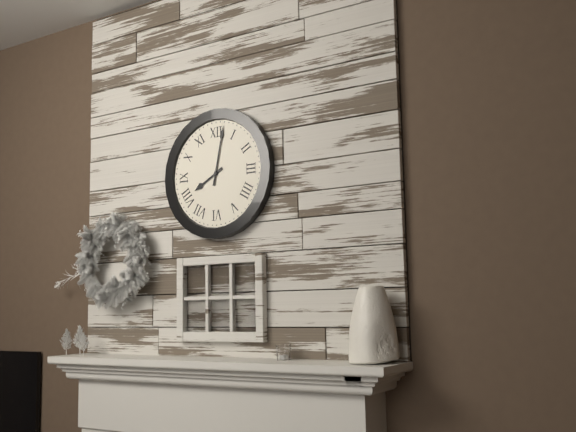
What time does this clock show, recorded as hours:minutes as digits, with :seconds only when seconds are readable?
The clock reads 8:02
